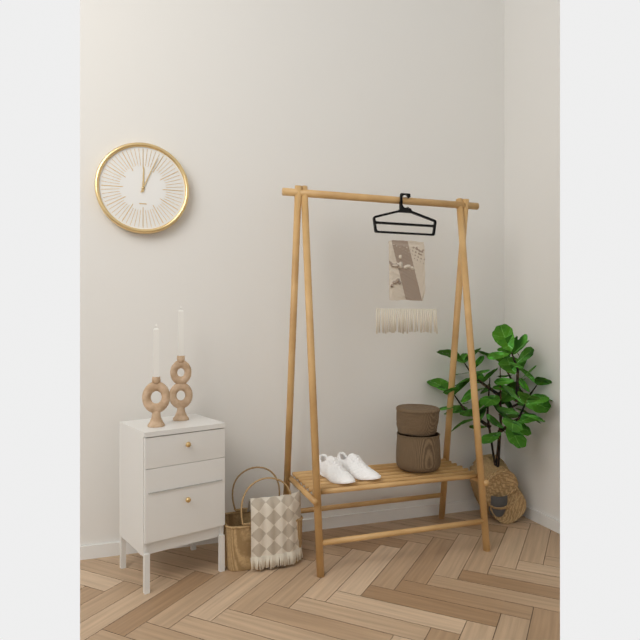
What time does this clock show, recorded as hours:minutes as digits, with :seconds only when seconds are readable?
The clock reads 12:04
